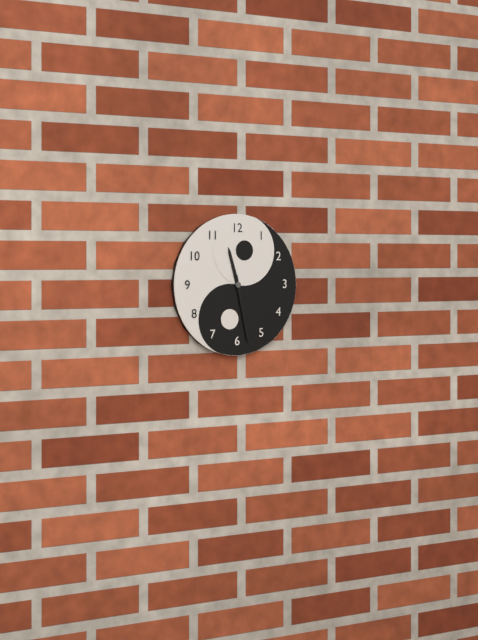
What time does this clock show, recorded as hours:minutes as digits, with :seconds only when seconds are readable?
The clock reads 11:28
